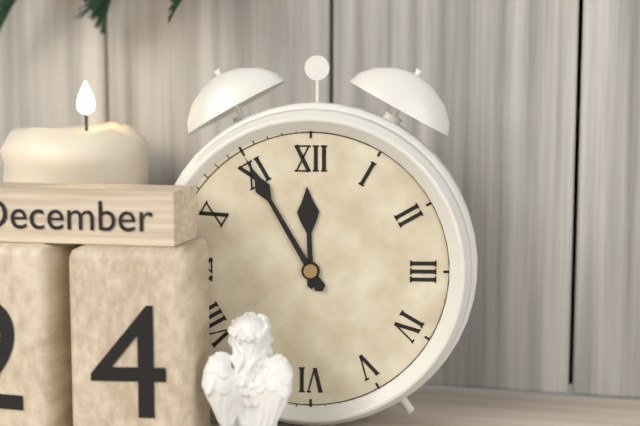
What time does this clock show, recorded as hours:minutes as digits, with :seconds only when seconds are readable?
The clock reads 11:55
